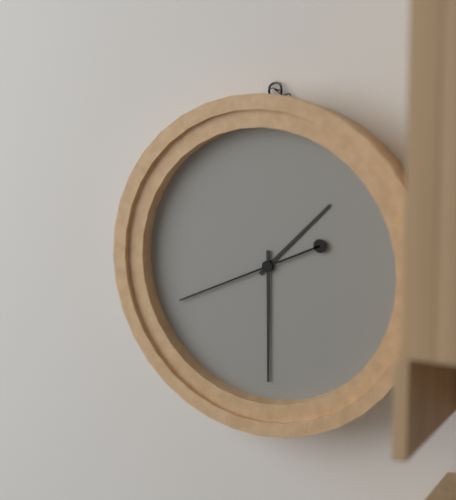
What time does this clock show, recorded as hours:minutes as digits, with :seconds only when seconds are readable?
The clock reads 1:30:41
